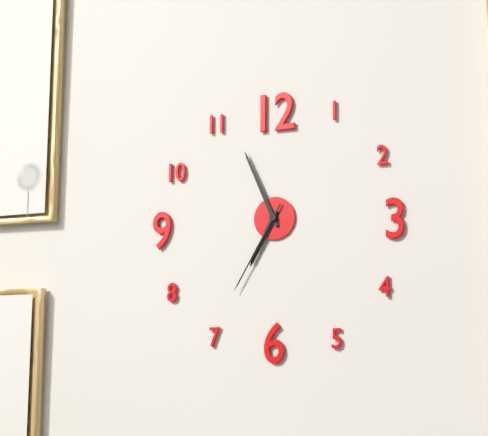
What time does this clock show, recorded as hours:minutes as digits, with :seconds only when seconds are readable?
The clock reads 6:56:35
